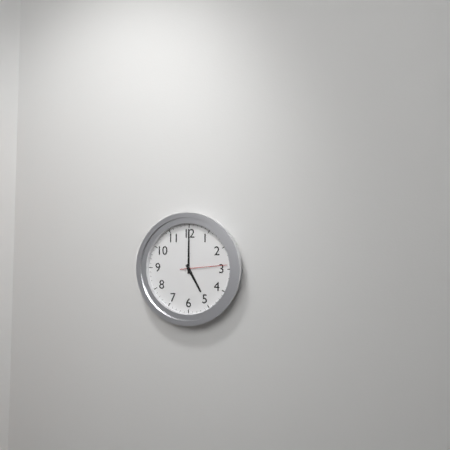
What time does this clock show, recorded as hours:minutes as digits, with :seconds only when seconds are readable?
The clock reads 5:00
